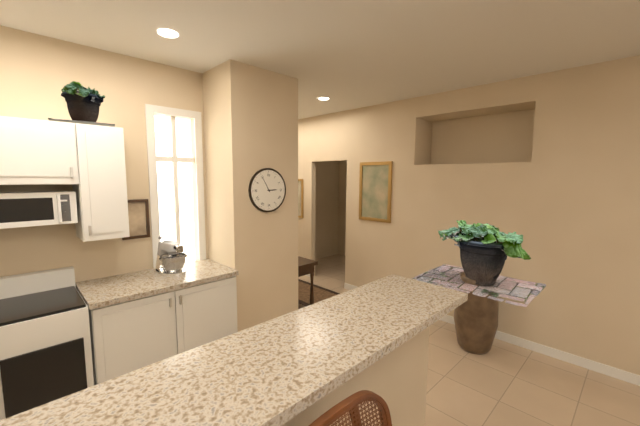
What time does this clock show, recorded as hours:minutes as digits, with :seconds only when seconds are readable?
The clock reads 2:55
